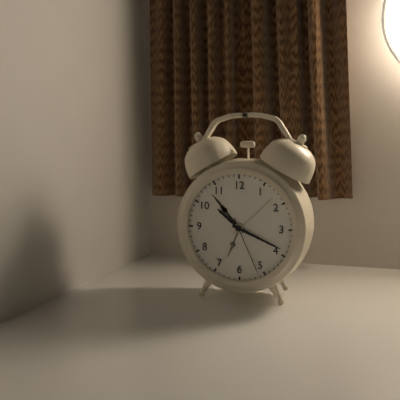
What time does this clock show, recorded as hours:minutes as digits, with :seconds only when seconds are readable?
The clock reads 10:19:26
